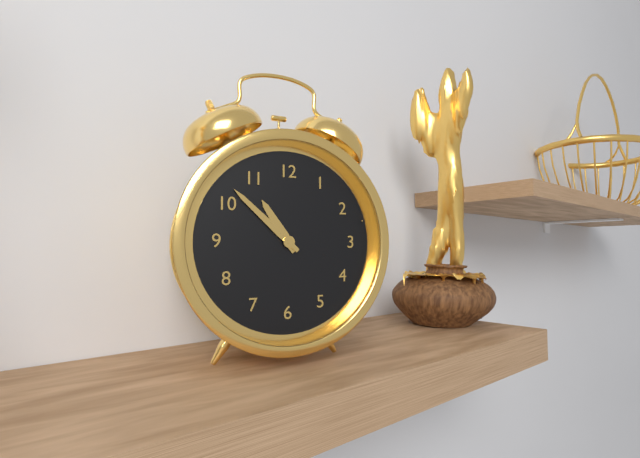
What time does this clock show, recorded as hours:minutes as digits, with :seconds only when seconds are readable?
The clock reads 10:52
